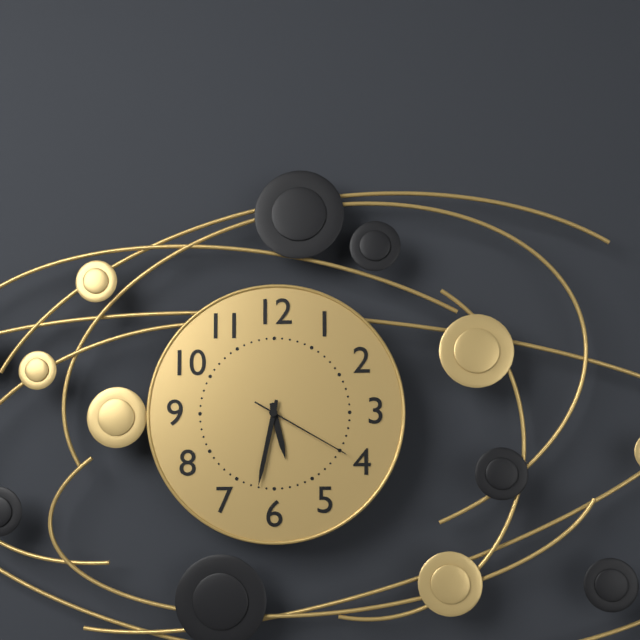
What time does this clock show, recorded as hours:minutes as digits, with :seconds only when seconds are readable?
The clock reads 5:32:20
